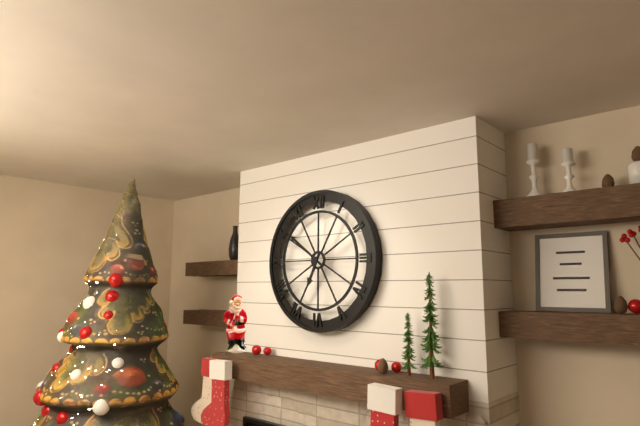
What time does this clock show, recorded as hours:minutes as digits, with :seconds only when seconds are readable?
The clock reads 6:51
